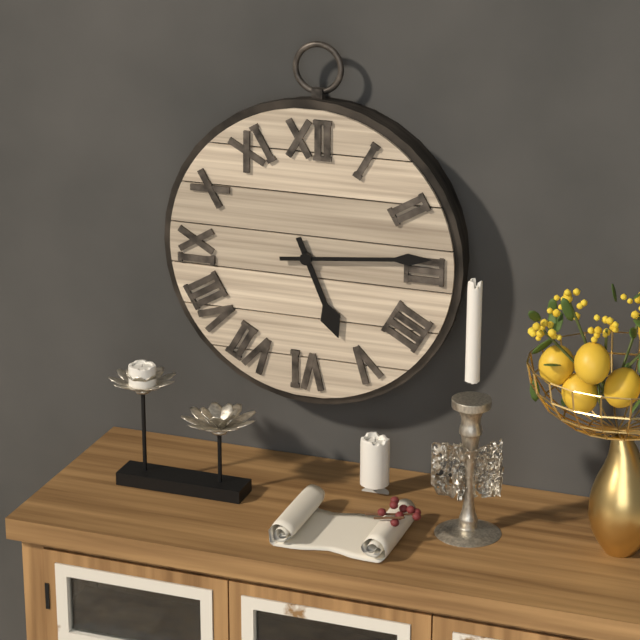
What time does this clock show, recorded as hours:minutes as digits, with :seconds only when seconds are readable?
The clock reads 5:14
